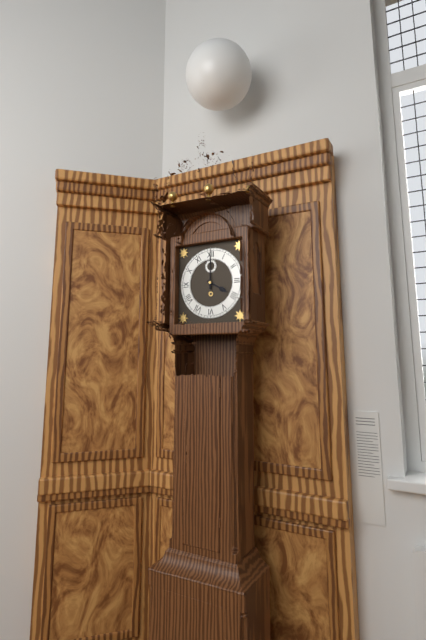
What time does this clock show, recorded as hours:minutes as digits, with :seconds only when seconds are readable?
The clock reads 4:00
